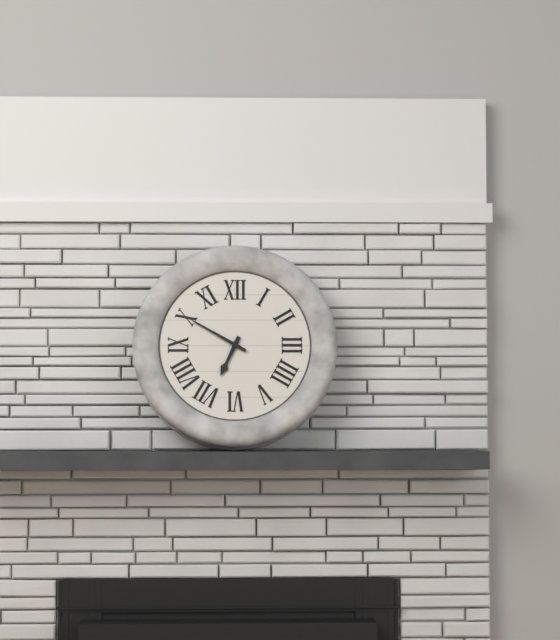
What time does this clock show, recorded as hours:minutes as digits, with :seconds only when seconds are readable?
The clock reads 6:50
